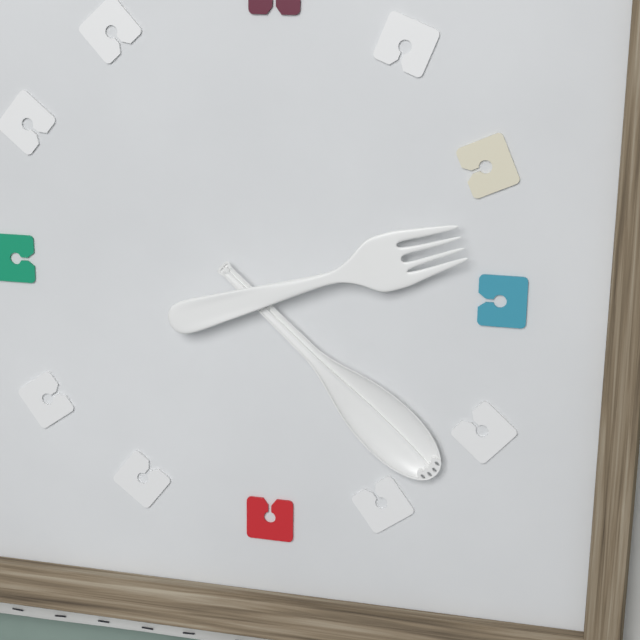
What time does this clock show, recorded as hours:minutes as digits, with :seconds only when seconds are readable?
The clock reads 2:22
